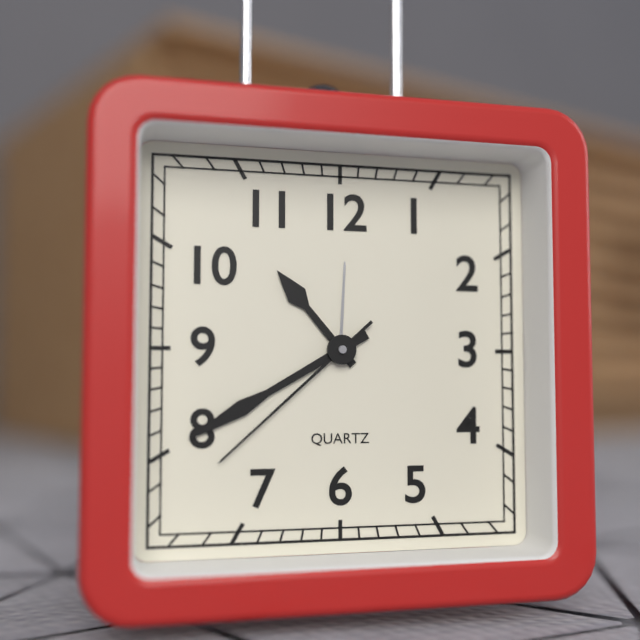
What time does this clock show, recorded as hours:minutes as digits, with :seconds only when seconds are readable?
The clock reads 10:40:38
